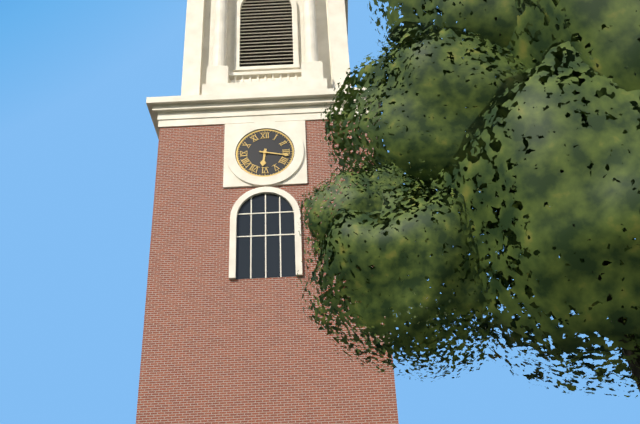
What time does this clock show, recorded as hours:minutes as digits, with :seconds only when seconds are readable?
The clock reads 6:17
